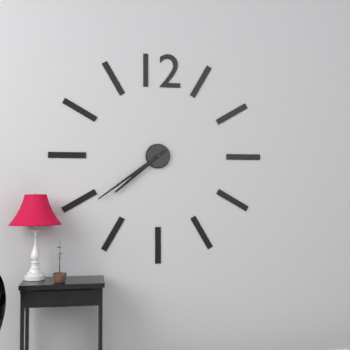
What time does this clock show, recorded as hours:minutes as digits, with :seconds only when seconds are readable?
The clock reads 7:39
